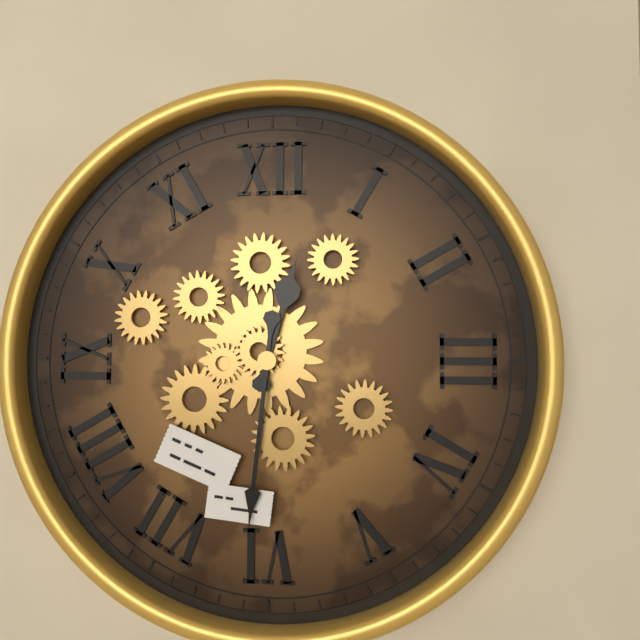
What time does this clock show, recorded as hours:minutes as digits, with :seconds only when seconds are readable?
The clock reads 12:31
